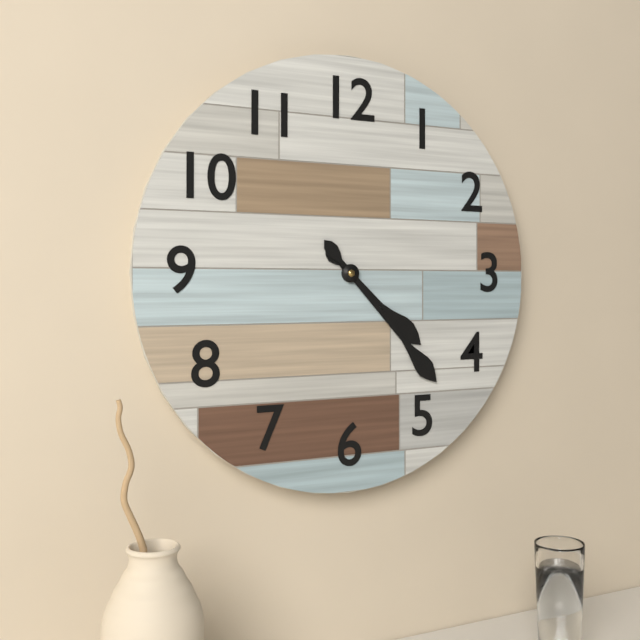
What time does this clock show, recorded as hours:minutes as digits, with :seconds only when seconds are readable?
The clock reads 4:23
